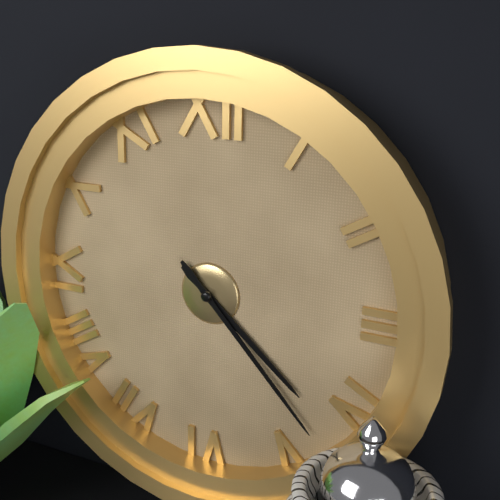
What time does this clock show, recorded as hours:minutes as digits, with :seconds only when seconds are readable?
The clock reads 4:23
